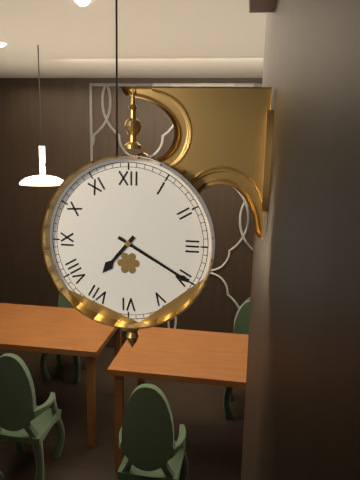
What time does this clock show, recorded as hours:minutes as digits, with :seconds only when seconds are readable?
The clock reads 7:20
